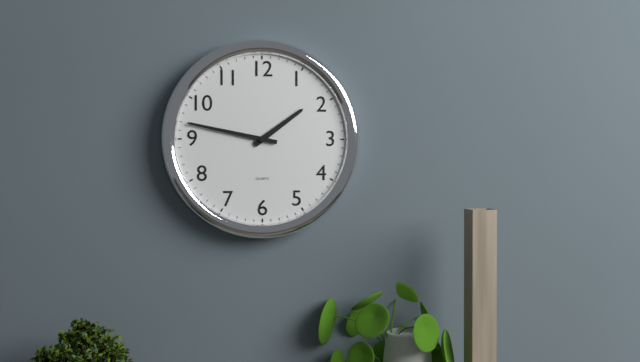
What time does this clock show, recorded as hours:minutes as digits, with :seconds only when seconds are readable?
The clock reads 1:47
